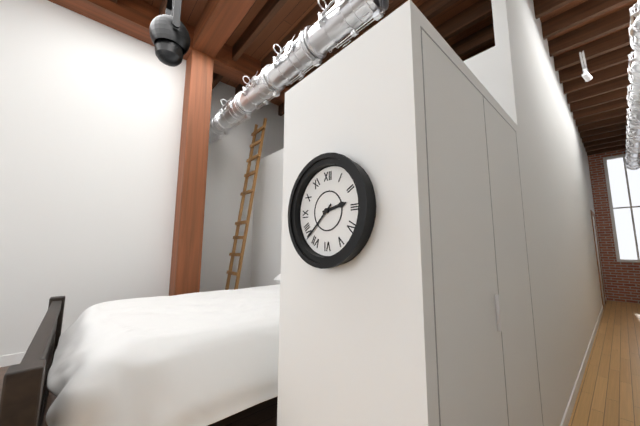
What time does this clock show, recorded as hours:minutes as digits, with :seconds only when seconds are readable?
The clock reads 2:38
